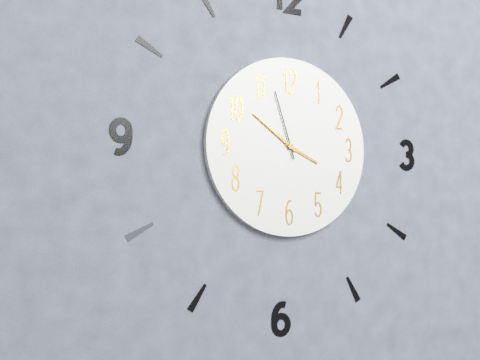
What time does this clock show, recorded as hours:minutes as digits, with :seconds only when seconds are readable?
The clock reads 3:51:57
